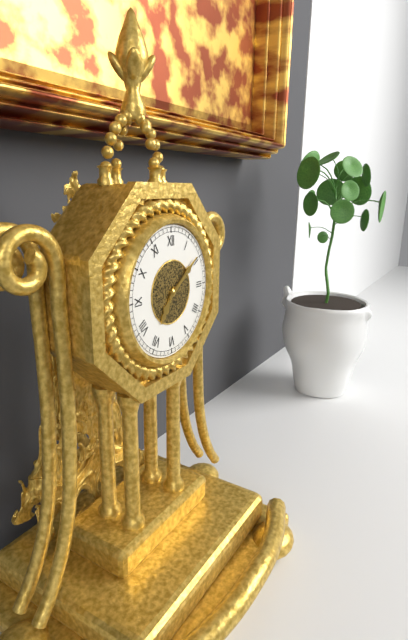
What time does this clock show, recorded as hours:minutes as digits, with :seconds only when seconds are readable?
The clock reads 7:09
